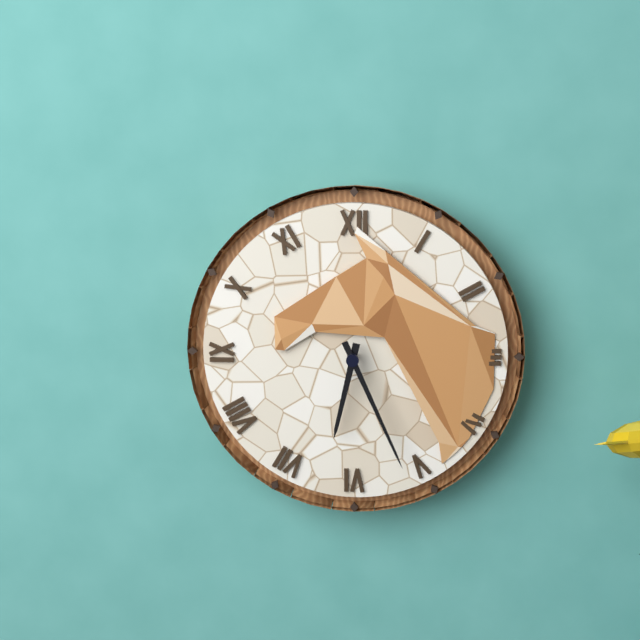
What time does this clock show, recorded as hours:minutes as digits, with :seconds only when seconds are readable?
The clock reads 6:26
